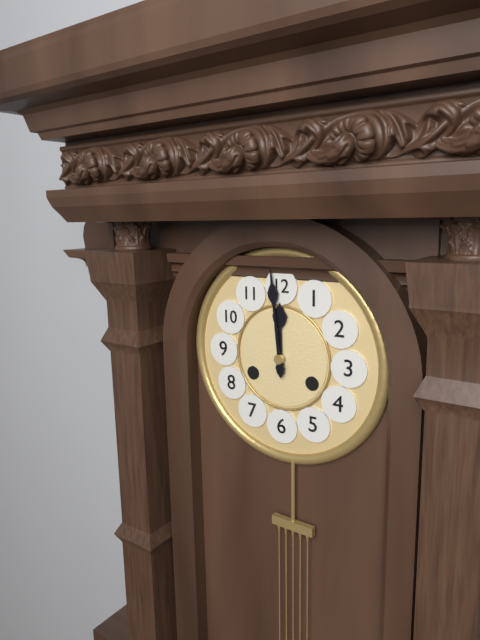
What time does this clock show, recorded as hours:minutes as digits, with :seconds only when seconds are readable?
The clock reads 11:59
